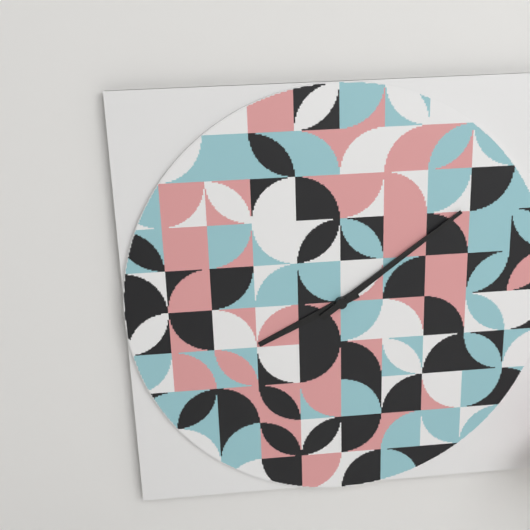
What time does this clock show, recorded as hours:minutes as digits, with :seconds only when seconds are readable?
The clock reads 8:09
